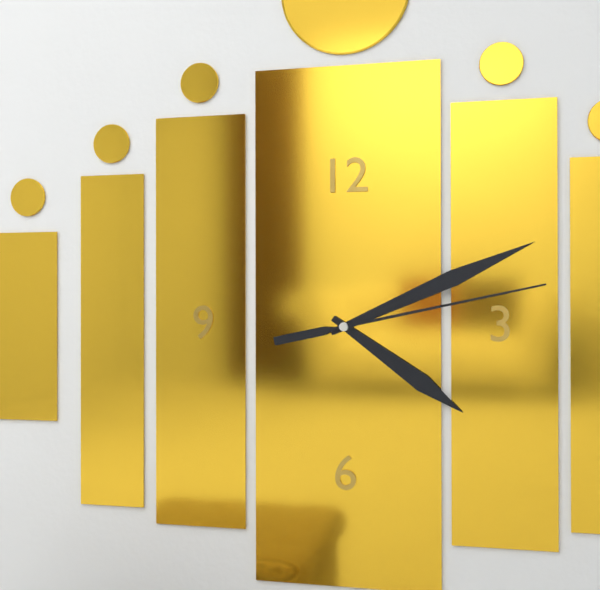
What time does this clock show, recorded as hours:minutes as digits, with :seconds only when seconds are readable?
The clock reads 4:11:13
